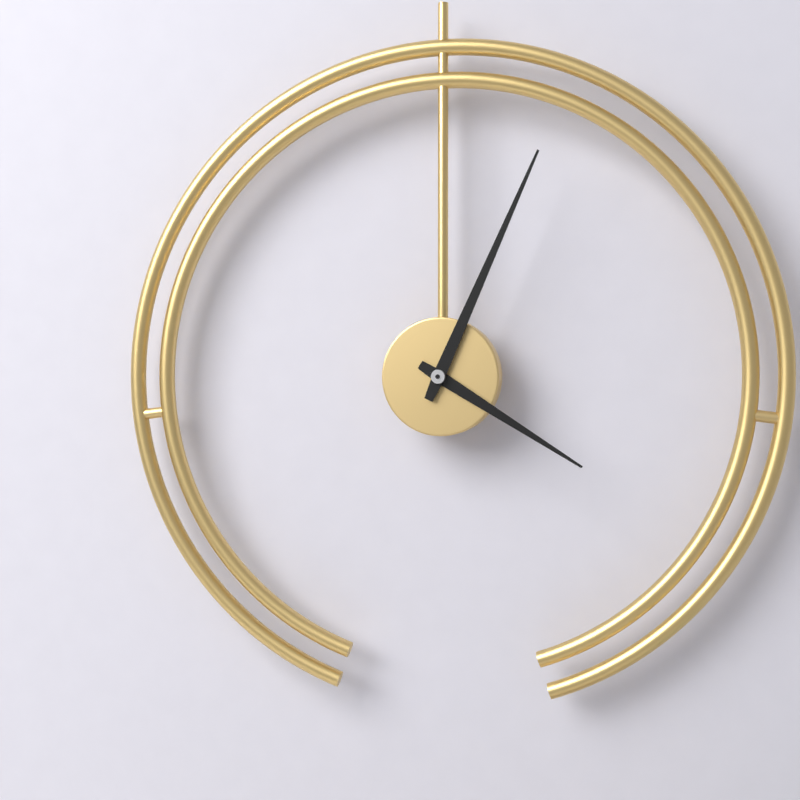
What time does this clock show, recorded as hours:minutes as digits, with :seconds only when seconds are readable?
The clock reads 4:04
